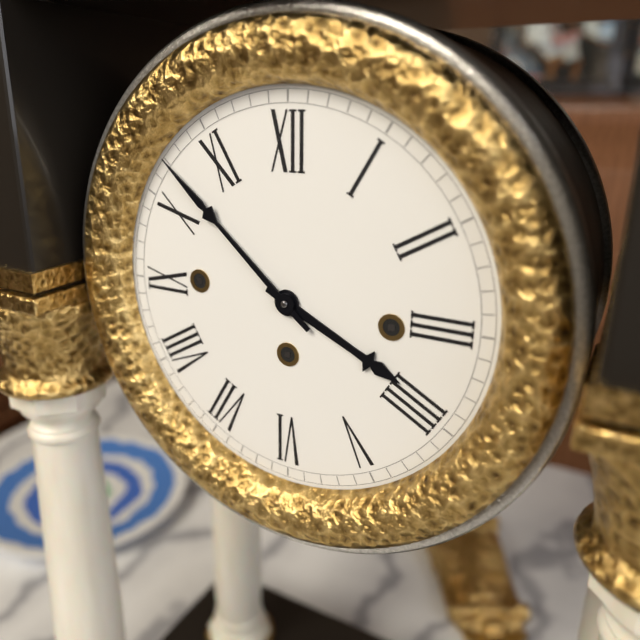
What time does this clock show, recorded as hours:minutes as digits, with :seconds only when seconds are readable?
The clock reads 3:52
